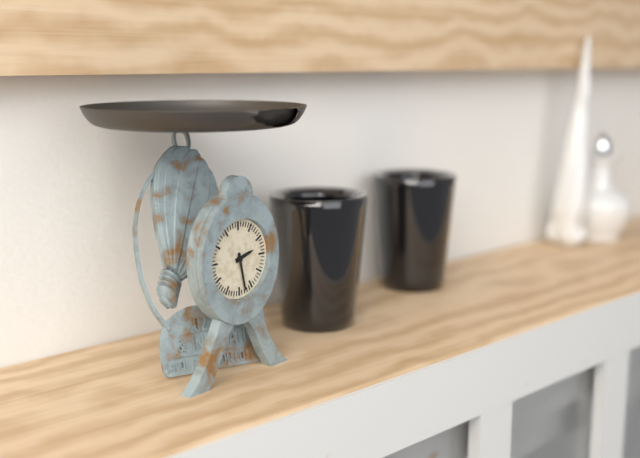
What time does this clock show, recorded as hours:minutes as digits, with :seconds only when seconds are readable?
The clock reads 2:28
